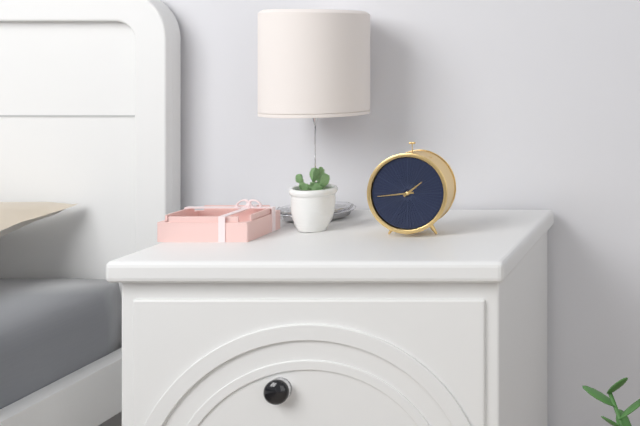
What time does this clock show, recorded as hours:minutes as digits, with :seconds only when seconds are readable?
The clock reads 1:44
